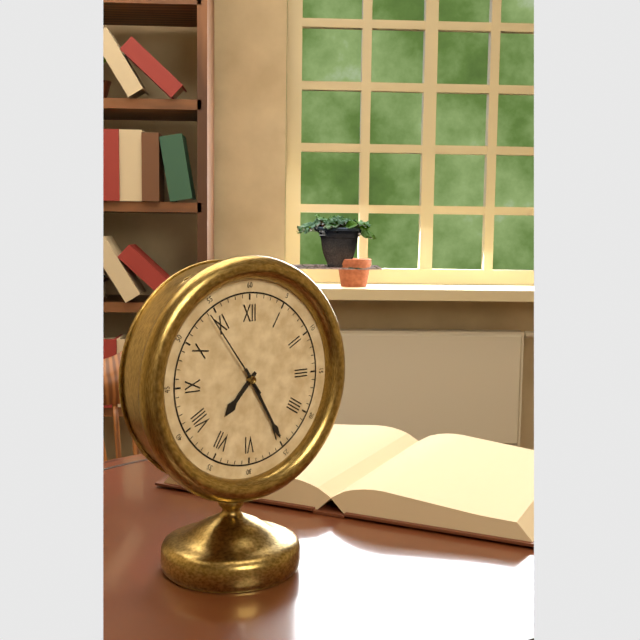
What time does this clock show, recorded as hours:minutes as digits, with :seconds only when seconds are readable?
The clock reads 7:25:54
